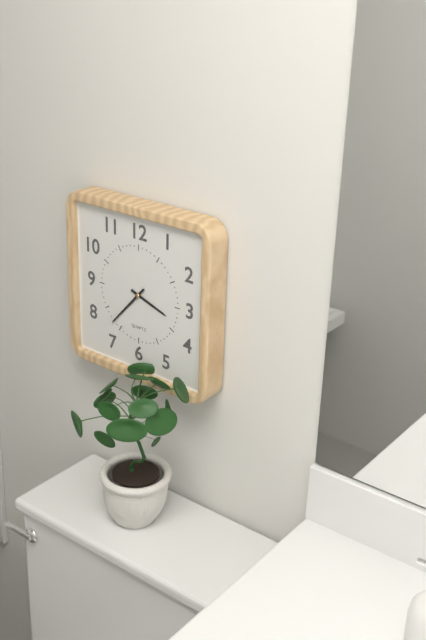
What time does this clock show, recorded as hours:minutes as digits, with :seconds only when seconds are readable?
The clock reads 3:37
